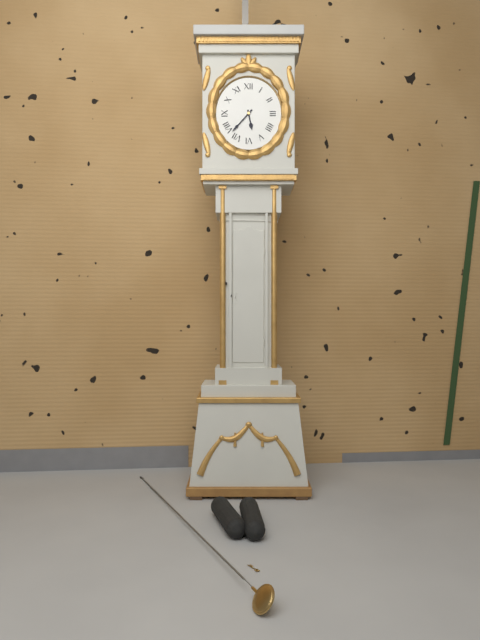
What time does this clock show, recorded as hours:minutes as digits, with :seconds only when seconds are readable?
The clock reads 5:37
